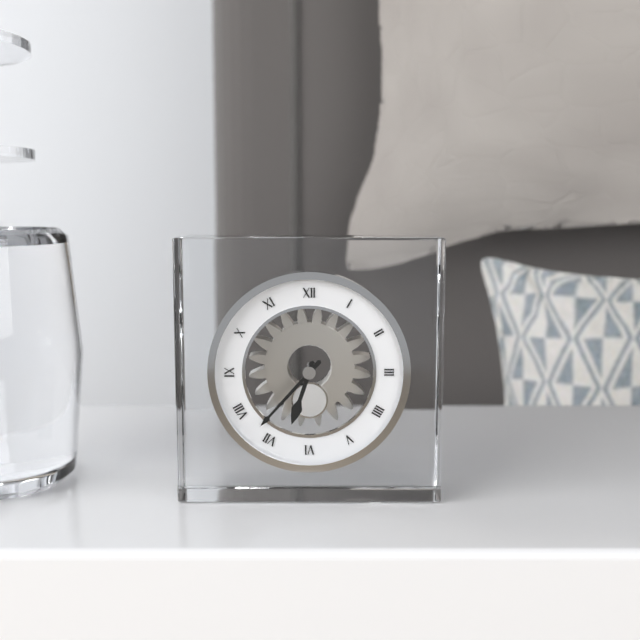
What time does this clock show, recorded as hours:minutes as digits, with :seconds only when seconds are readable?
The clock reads 6:37
